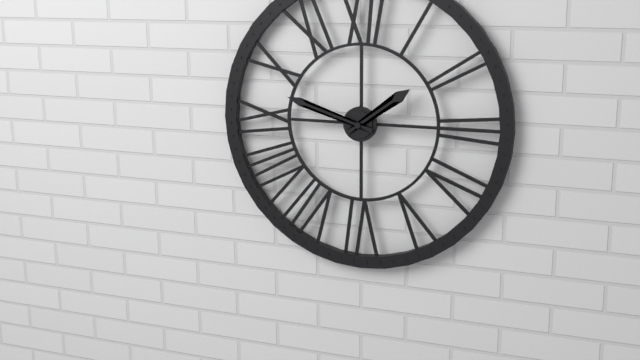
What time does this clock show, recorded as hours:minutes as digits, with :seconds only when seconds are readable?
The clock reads 1:48
